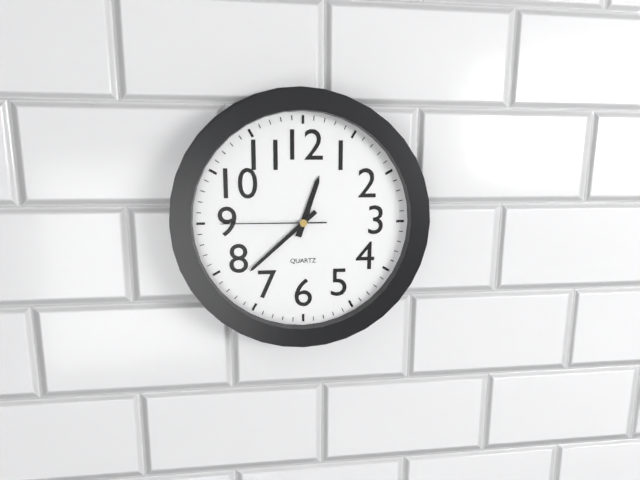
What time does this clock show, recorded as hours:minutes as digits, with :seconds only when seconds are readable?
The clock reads 12:38:45
